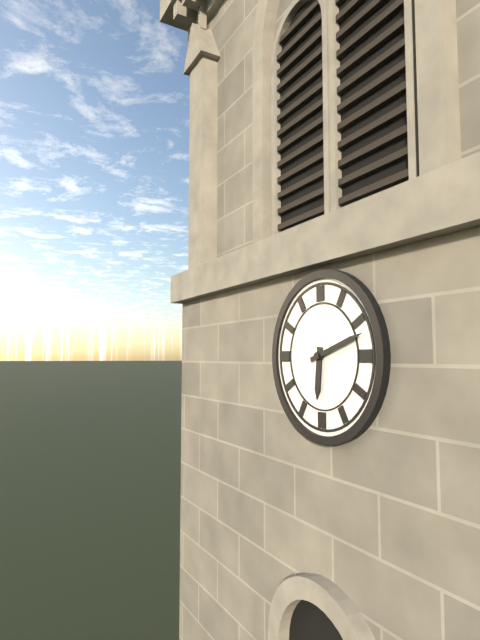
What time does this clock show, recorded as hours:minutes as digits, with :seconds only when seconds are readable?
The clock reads 6:12
